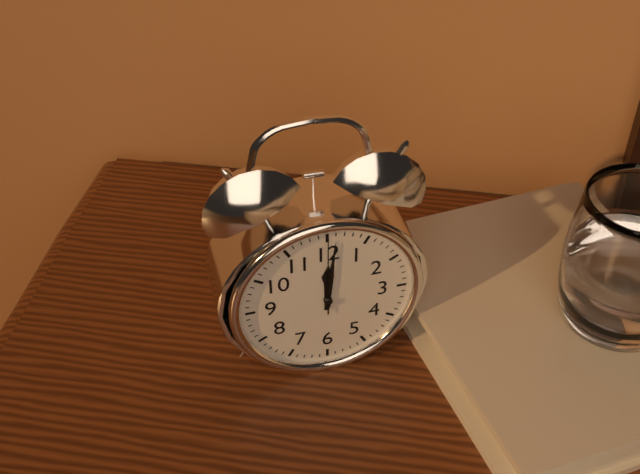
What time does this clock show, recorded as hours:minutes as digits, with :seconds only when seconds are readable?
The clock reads 12:01:00
